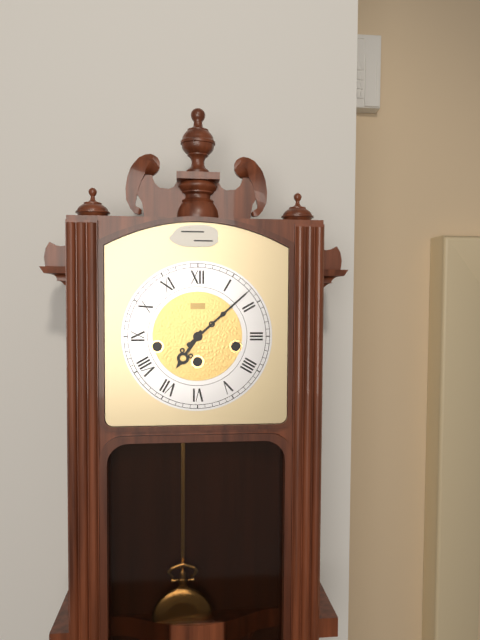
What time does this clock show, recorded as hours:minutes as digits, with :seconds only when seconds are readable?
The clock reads 7:08
